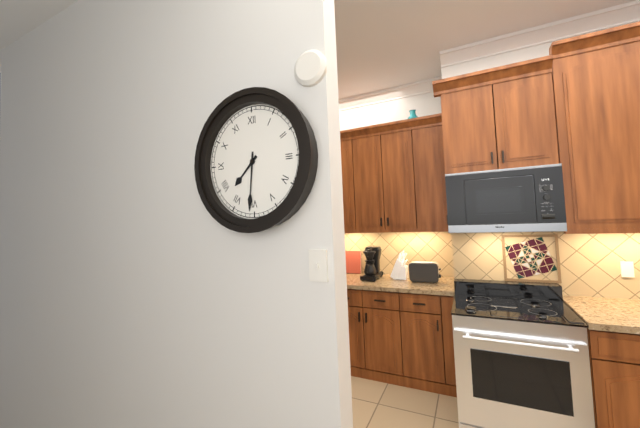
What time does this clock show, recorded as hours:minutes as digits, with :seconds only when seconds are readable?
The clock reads 7:31
